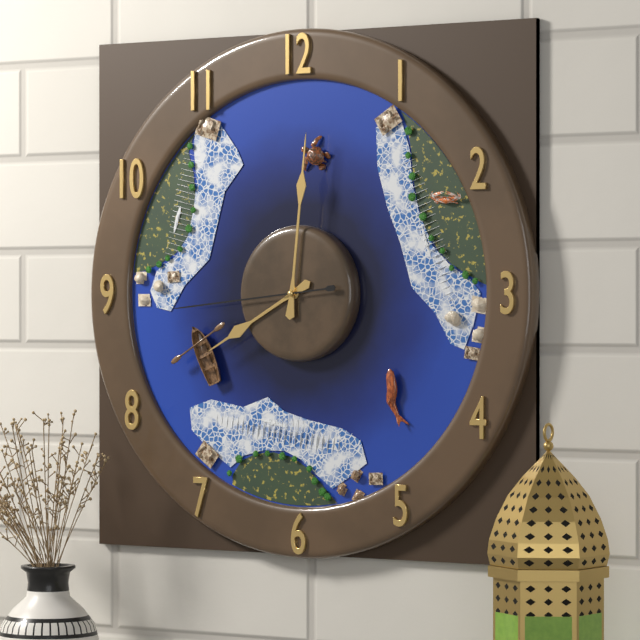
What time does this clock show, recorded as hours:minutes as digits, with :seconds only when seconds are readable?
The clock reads 8:01:44
